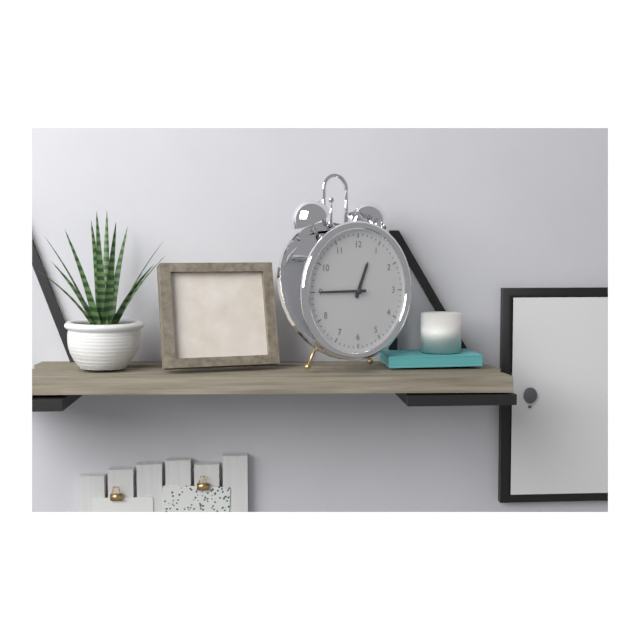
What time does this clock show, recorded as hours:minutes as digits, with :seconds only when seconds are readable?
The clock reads 12:45
